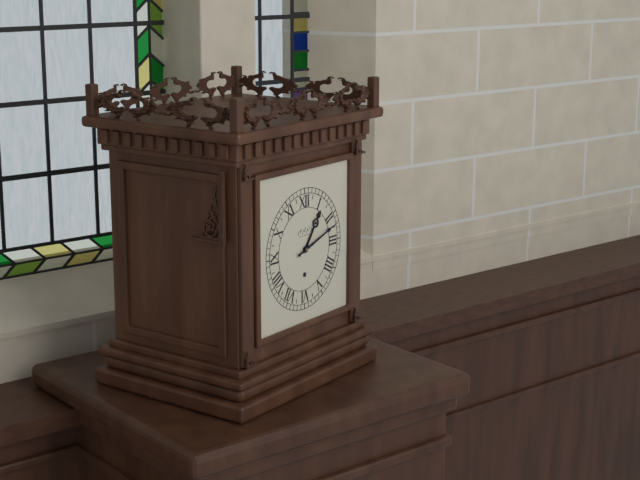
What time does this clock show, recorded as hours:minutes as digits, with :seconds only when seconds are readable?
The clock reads 1:12
